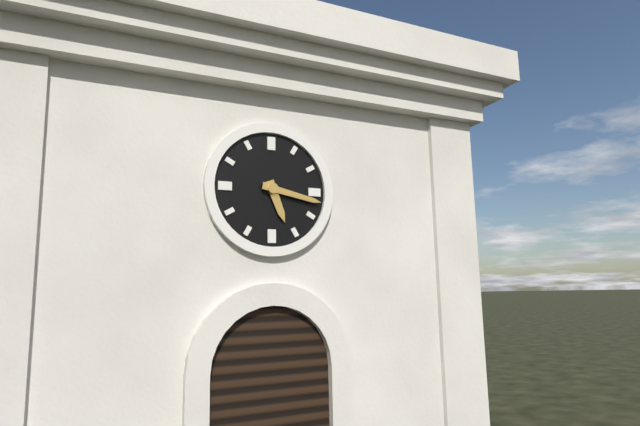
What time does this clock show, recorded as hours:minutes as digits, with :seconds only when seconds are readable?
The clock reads 5:17
